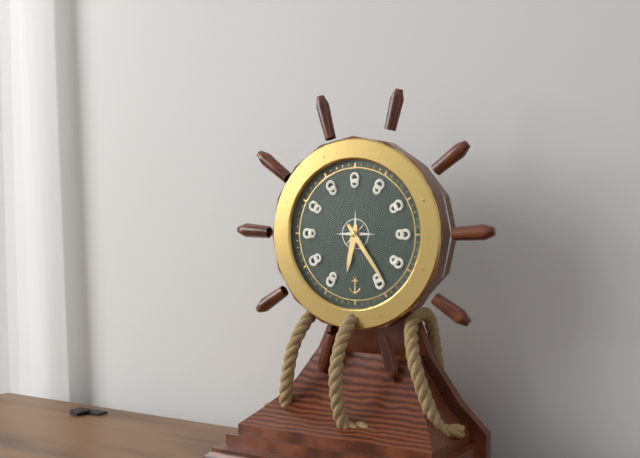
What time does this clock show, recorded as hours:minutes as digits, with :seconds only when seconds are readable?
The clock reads 6:24
